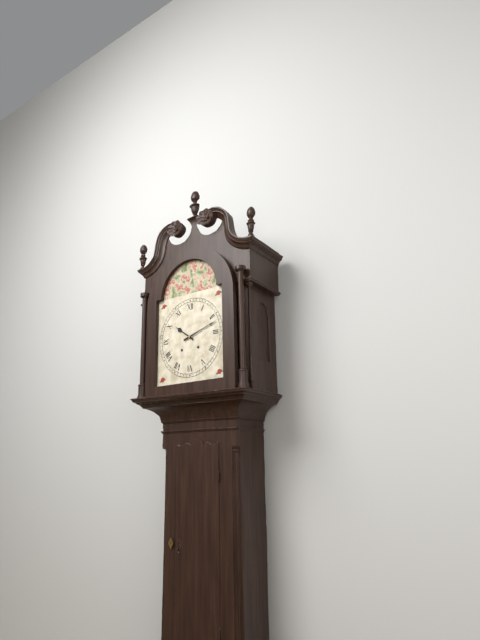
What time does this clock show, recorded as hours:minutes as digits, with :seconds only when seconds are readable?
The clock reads 10:12
